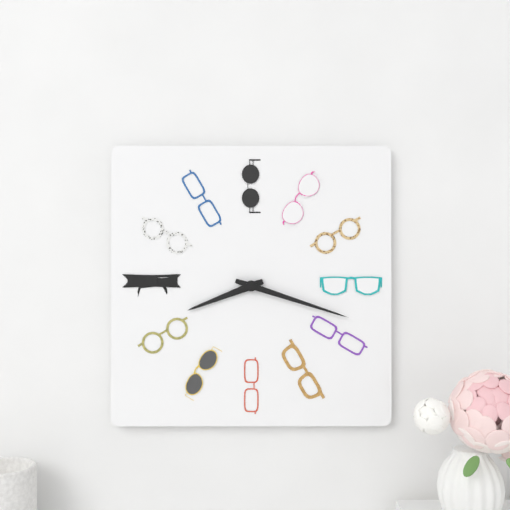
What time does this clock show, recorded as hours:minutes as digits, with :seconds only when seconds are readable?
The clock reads 8:18
